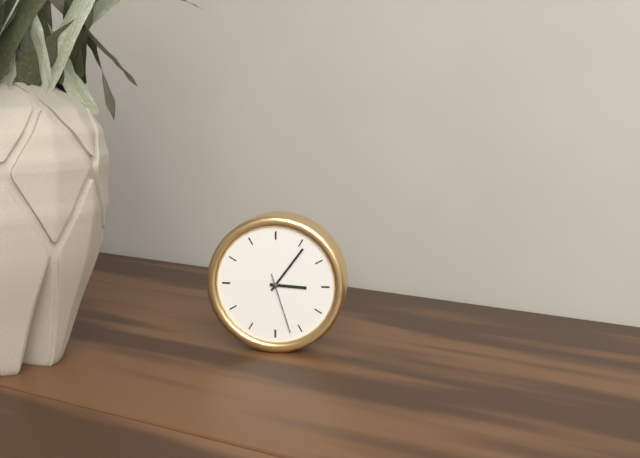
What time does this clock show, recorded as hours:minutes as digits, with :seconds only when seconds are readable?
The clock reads 3:06:27
